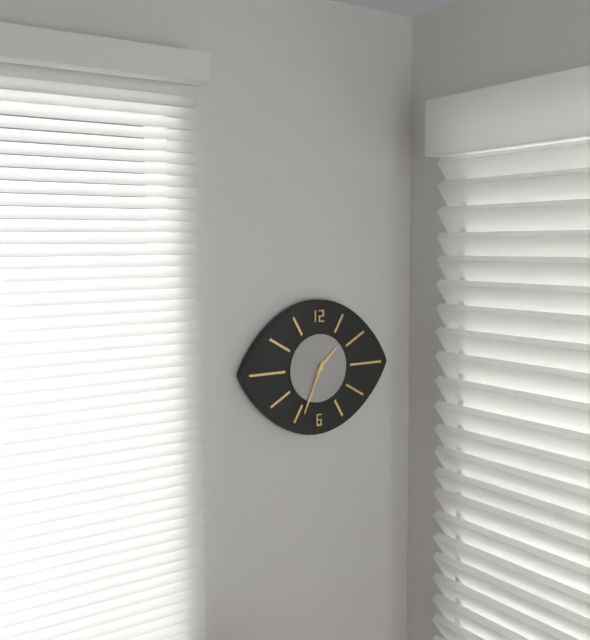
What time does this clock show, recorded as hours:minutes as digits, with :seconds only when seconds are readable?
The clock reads 1:34
